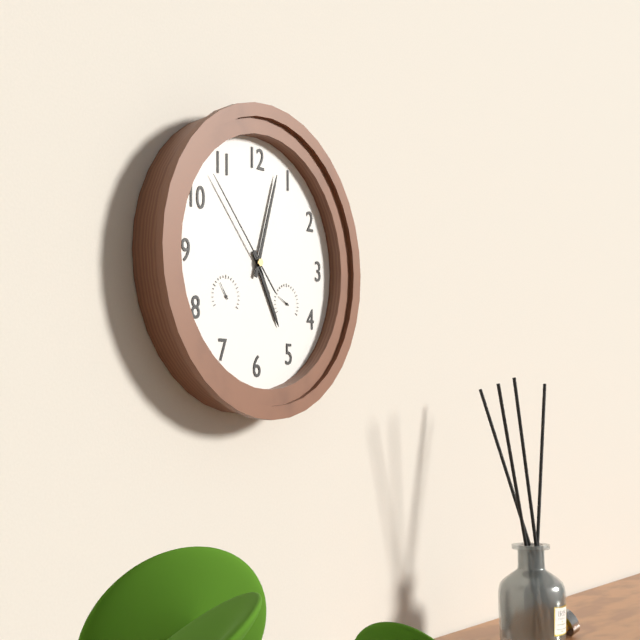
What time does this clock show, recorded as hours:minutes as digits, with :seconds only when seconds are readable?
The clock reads 5:03:53
